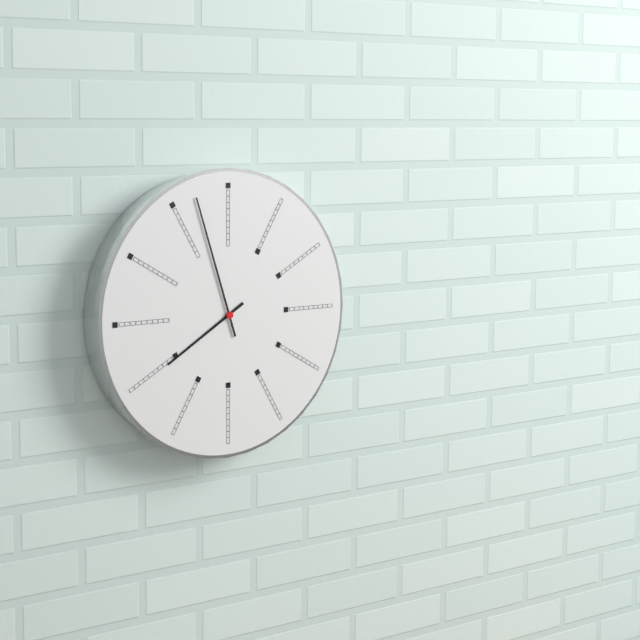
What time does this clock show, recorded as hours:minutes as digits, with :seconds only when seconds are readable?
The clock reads 7:57
